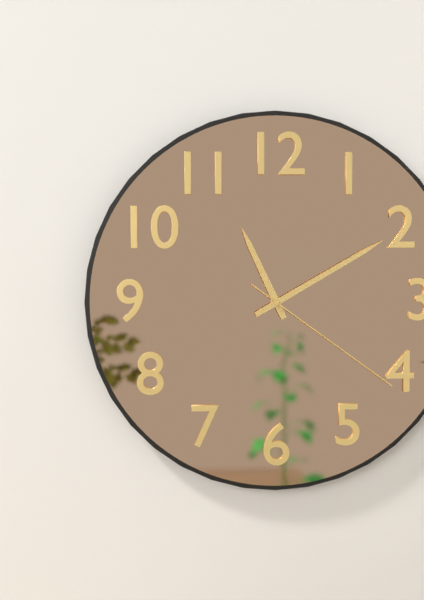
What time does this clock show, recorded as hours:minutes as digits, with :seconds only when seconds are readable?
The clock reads 11:10:21
